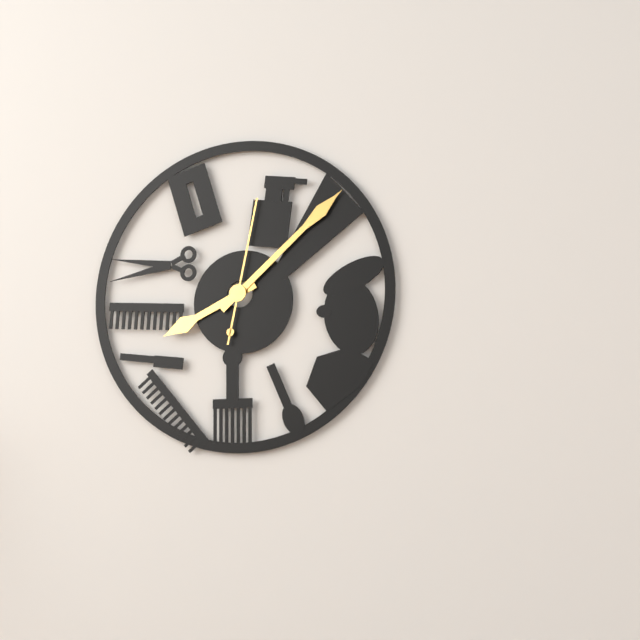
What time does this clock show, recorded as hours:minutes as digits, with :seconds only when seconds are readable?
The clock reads 8:08:02
